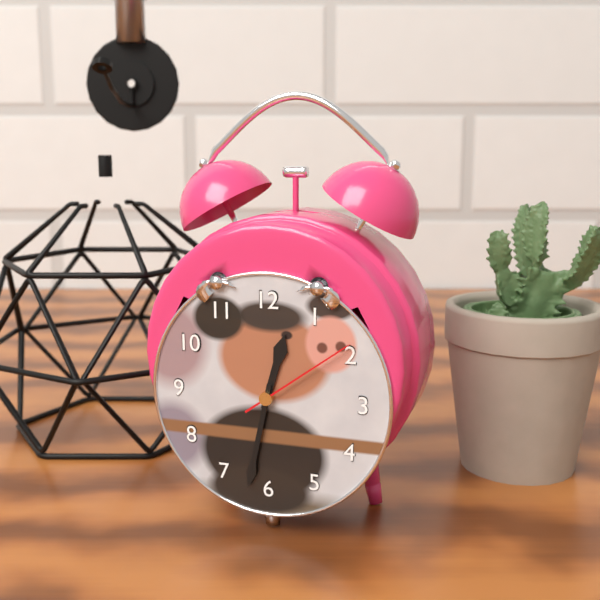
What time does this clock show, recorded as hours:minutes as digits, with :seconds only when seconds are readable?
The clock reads 12:32:09
